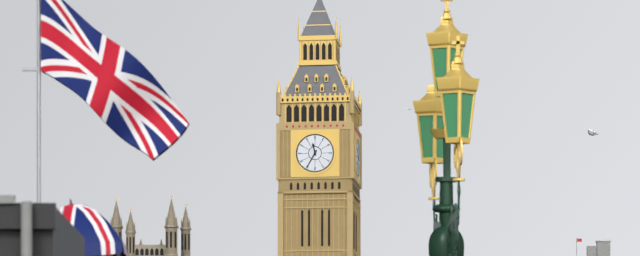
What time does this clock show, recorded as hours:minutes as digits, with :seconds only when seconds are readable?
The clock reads 11:35
